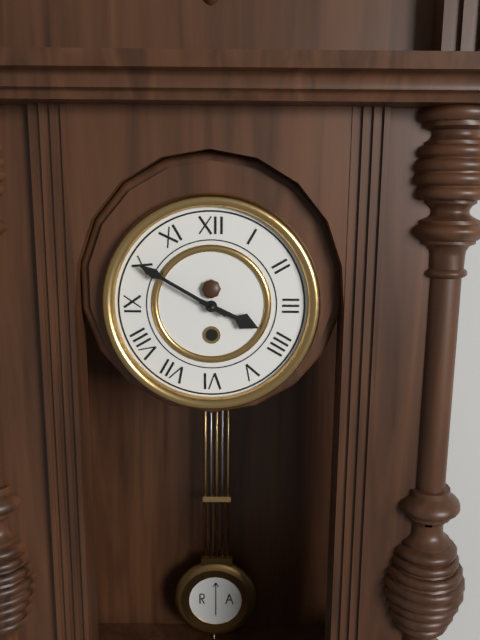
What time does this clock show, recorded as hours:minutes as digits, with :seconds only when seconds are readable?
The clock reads 3:50
